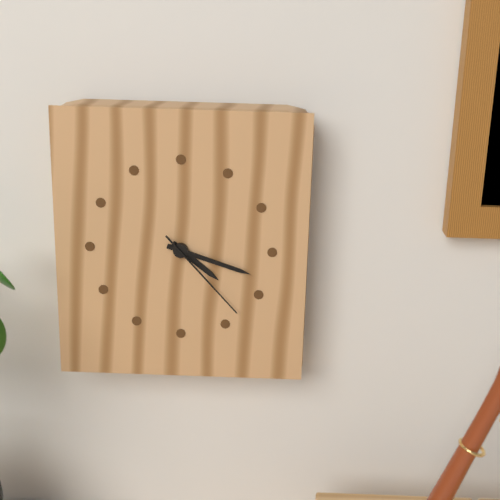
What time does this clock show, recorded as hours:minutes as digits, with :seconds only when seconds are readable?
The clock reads 4:18:23
